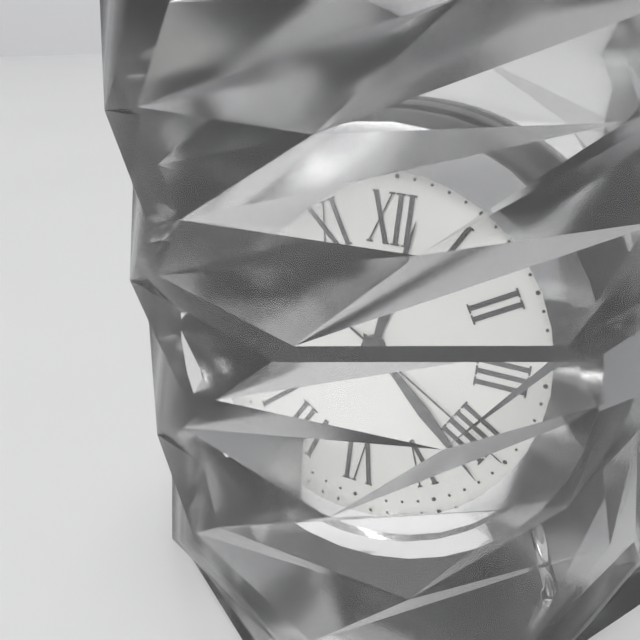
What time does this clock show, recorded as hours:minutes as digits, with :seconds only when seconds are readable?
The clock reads 12:22:20
